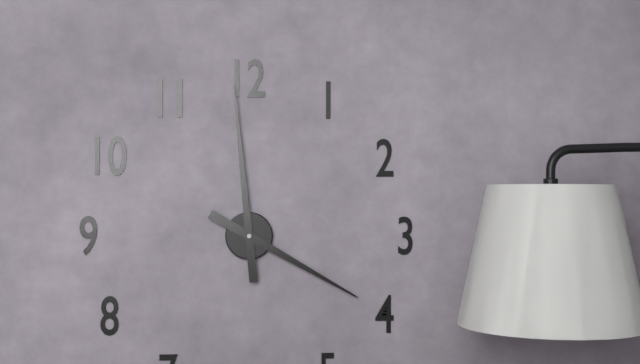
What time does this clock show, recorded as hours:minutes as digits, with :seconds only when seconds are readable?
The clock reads 3:59
